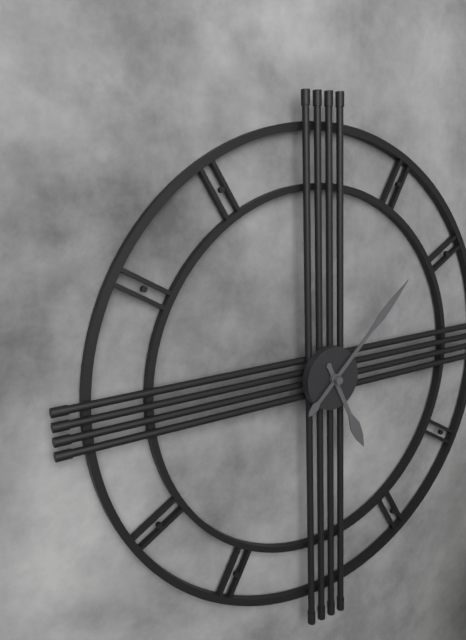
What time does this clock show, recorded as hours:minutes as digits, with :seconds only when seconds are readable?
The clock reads 5:08
